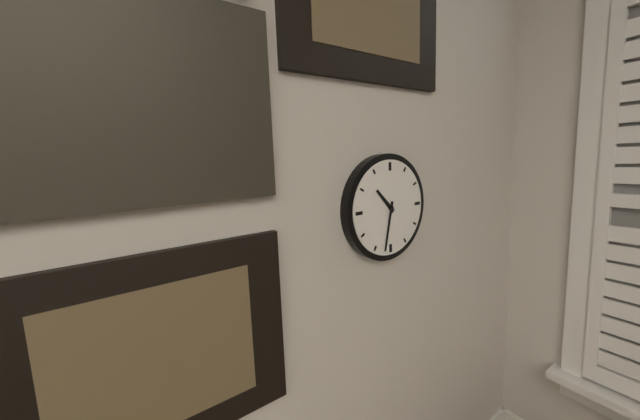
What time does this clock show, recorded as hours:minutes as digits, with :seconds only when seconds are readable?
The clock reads 10:32
